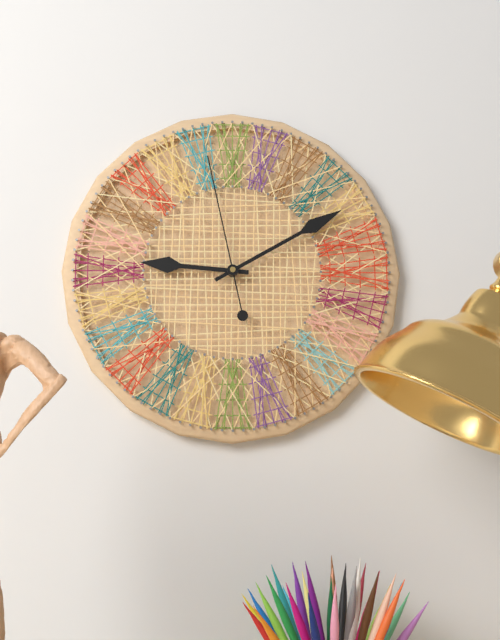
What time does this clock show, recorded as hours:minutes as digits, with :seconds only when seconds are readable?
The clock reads 9:10:58
